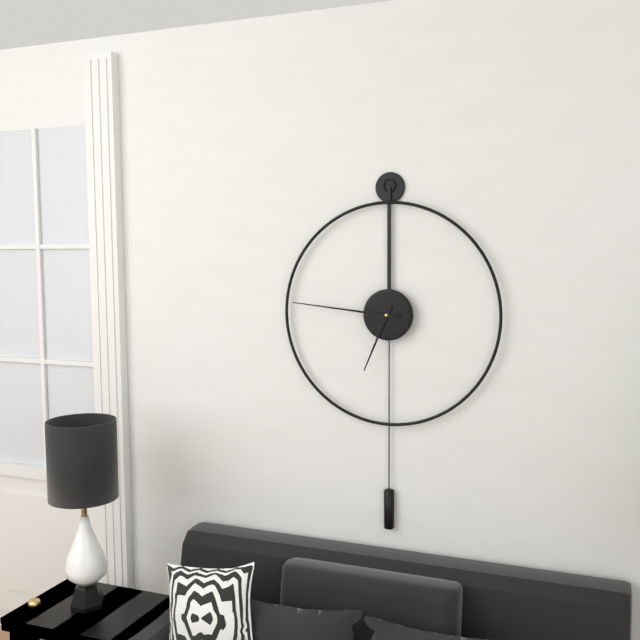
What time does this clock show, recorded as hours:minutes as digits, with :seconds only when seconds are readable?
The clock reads 6:46
